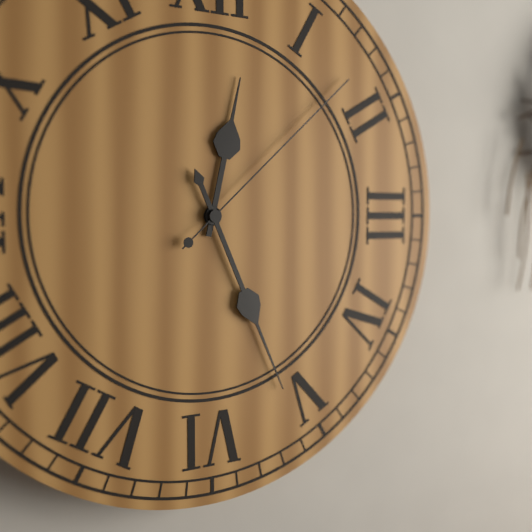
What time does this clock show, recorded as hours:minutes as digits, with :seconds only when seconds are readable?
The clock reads 12:26:08
